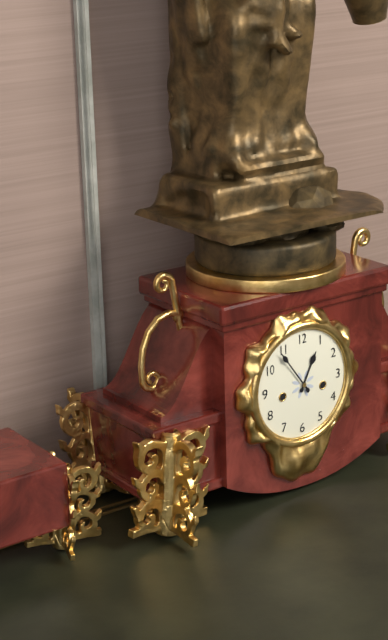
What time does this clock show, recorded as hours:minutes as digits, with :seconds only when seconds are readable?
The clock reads 12:54
